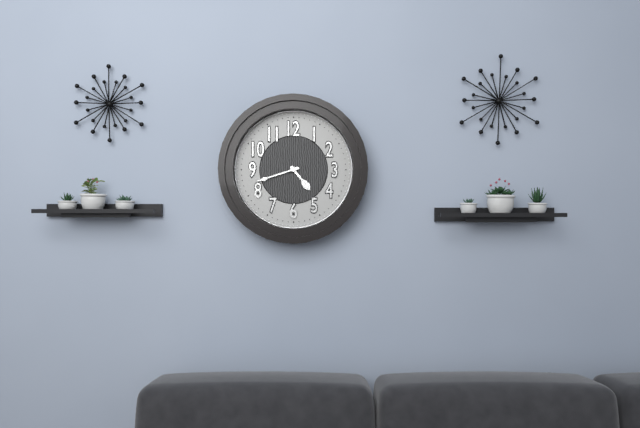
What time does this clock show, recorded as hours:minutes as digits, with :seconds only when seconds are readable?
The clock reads 4:42
